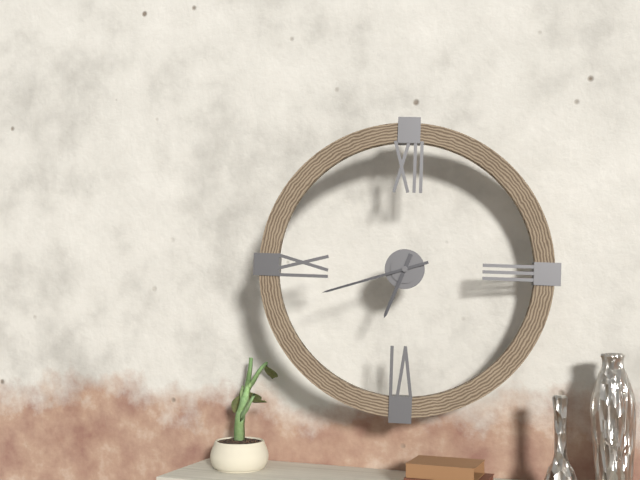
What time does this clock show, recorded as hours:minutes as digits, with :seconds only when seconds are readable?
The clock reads 6:42
